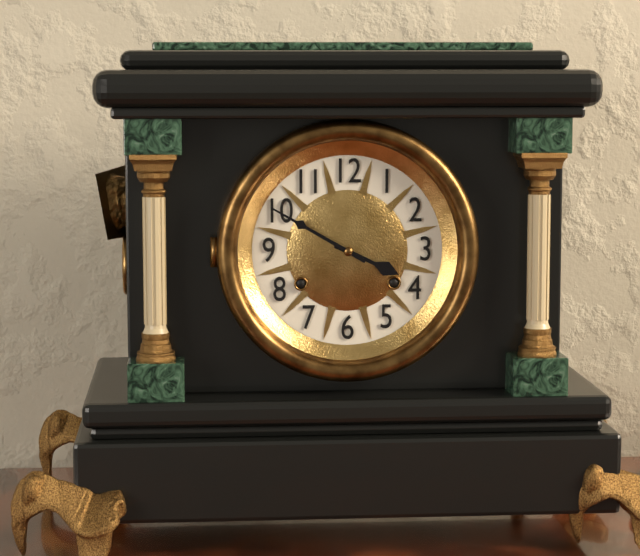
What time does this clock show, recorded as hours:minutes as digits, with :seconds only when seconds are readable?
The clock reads 3:50
